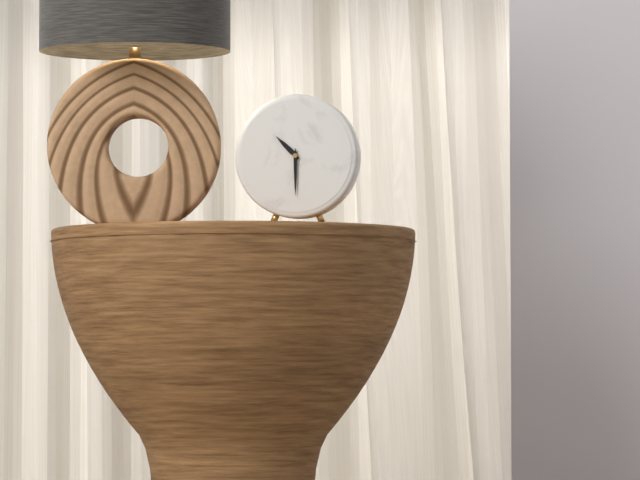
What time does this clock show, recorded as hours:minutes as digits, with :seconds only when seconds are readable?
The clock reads 10:30
